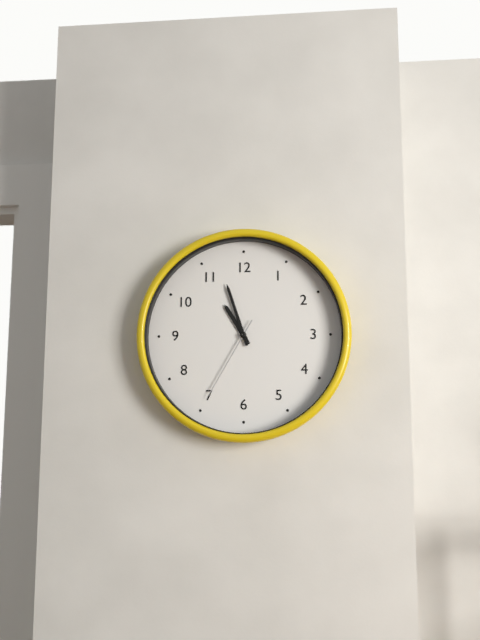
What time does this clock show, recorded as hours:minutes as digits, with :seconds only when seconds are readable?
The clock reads 10:57:35
